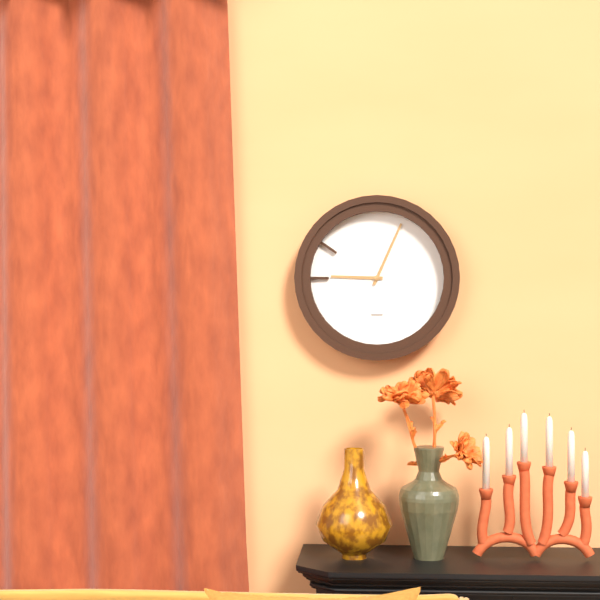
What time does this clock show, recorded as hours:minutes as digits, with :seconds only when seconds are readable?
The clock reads 9:04
